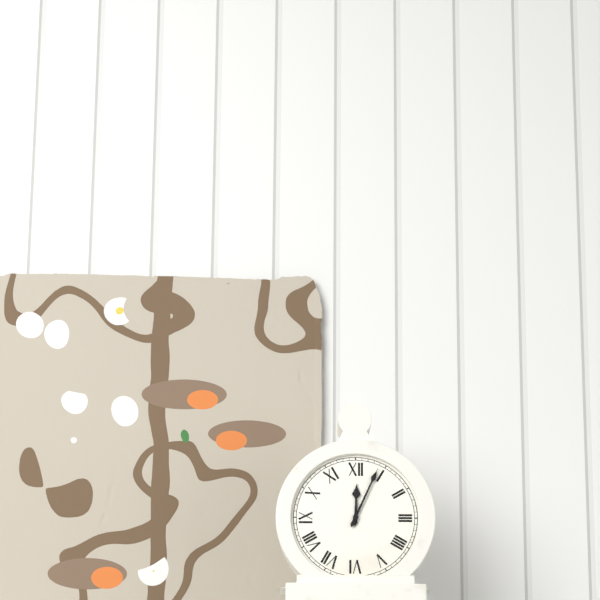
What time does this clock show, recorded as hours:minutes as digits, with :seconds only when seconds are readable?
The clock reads 12:04
